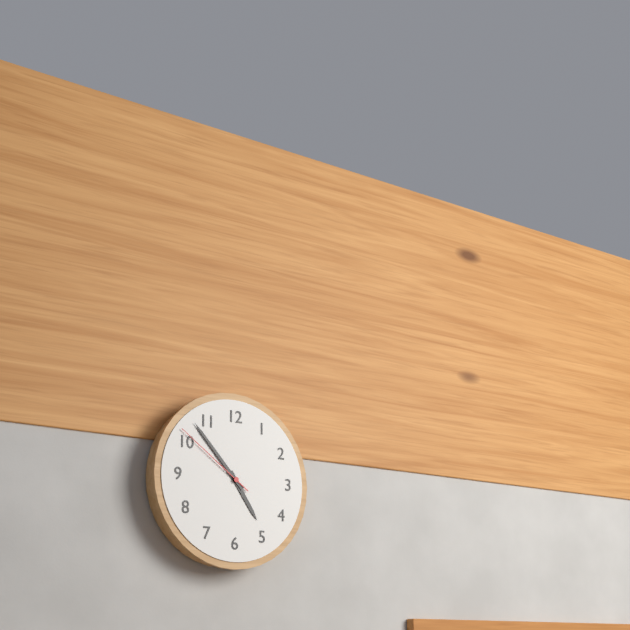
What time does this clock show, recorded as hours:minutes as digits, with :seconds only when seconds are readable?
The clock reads 4:53:51
